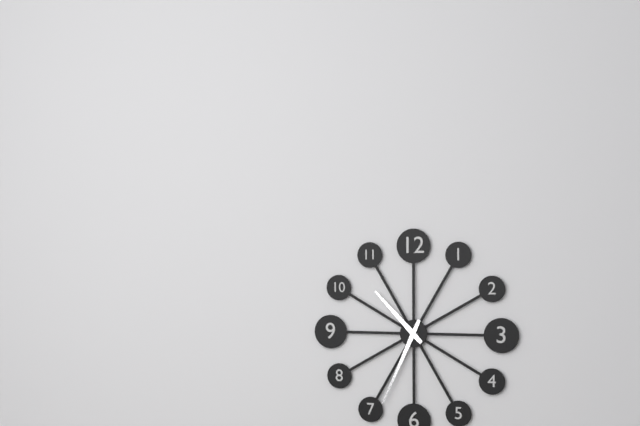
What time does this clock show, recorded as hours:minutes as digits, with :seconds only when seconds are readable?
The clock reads 10:34
